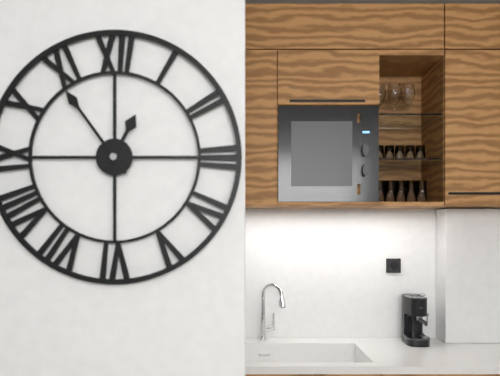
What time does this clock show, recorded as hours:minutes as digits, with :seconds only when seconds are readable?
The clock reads 12:54
